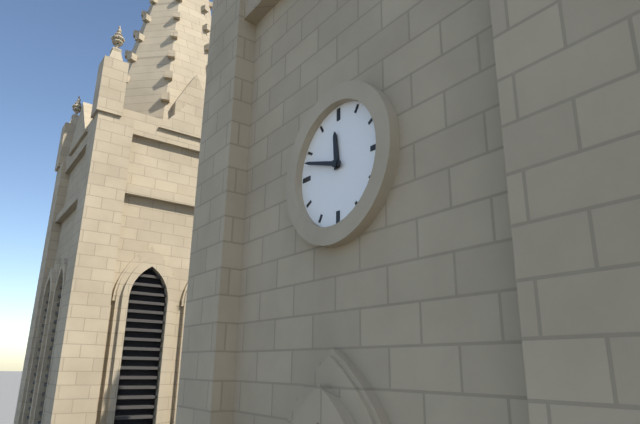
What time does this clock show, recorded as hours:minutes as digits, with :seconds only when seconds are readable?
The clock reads 11:48
